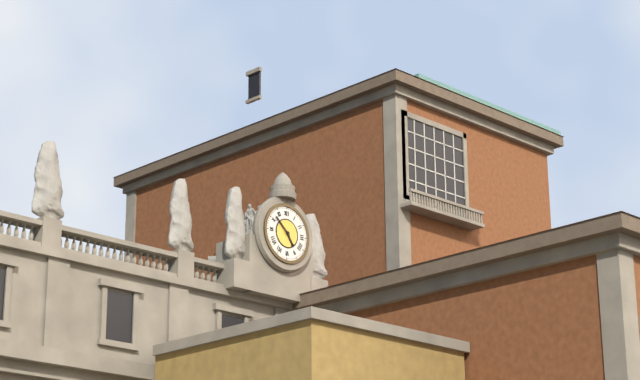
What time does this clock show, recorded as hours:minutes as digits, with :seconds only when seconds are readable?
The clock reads 4:52
